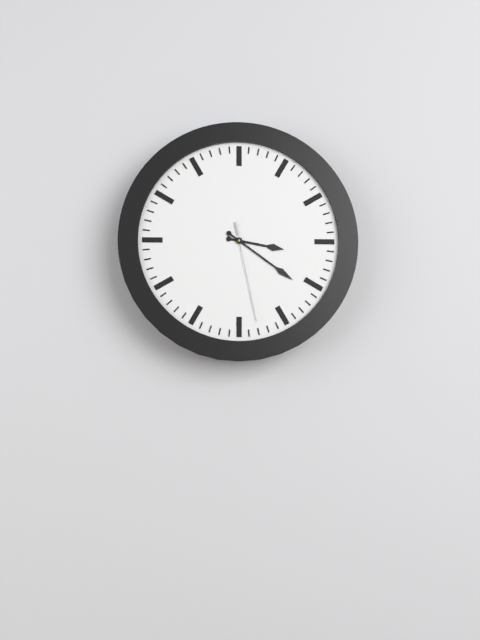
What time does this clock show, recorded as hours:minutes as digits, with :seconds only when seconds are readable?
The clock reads 3:21:28
